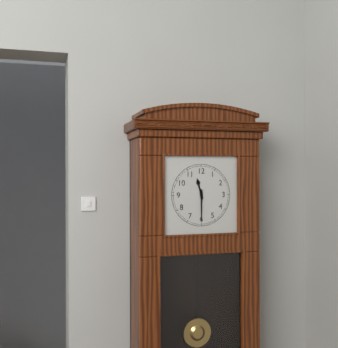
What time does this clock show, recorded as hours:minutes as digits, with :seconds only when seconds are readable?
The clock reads 11:30
